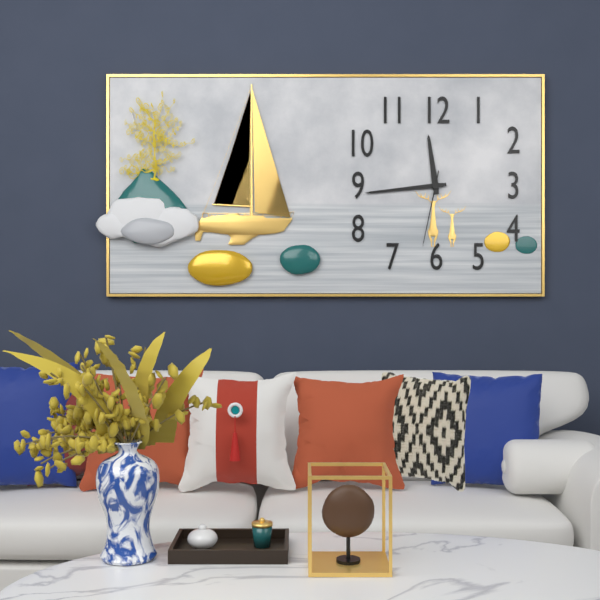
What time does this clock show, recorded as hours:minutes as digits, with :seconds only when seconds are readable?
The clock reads 11:44:32
